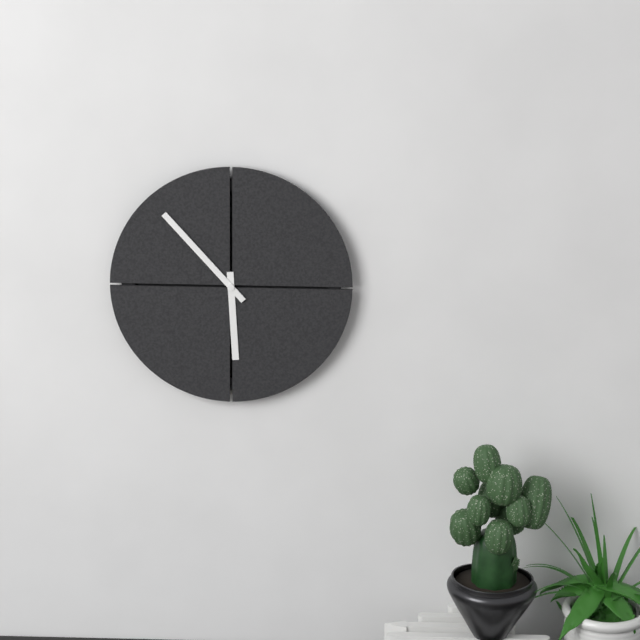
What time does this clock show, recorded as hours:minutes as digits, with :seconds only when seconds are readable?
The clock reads 5:53
